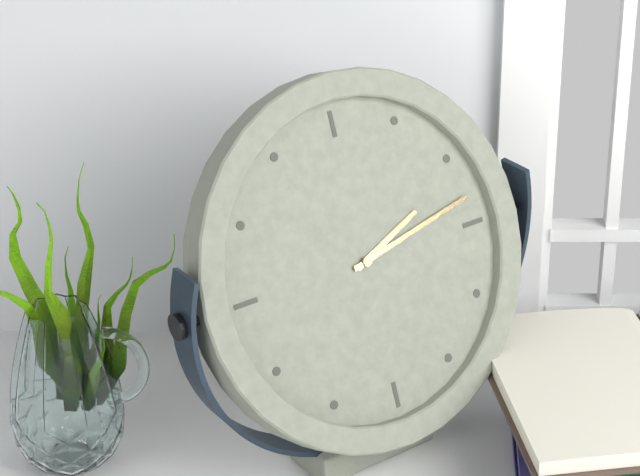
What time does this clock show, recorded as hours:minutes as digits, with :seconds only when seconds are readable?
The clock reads 2:13
